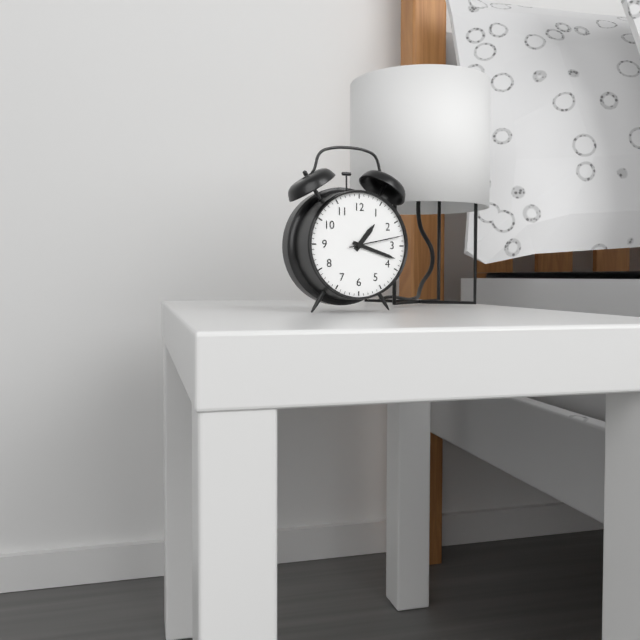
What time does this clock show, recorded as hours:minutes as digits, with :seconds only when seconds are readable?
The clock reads 1:18:13
